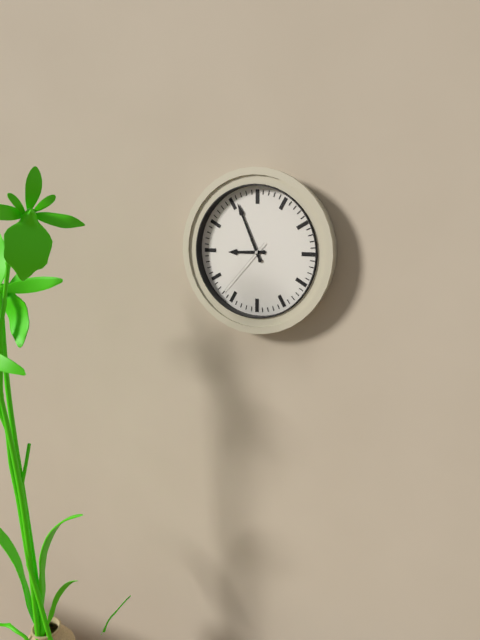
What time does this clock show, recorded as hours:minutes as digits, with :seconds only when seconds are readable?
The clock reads 8:56:37
